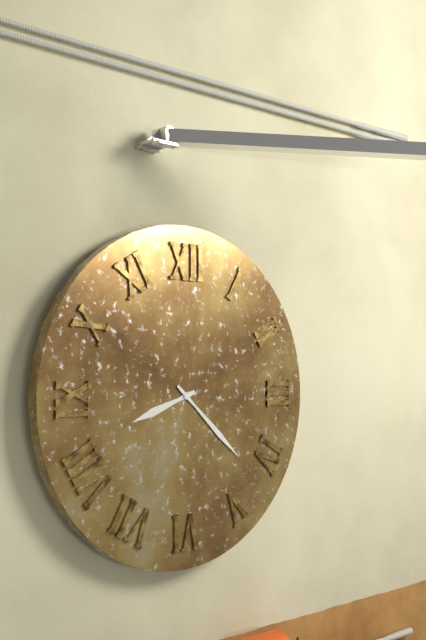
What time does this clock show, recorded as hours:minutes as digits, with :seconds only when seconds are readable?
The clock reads 8:22
